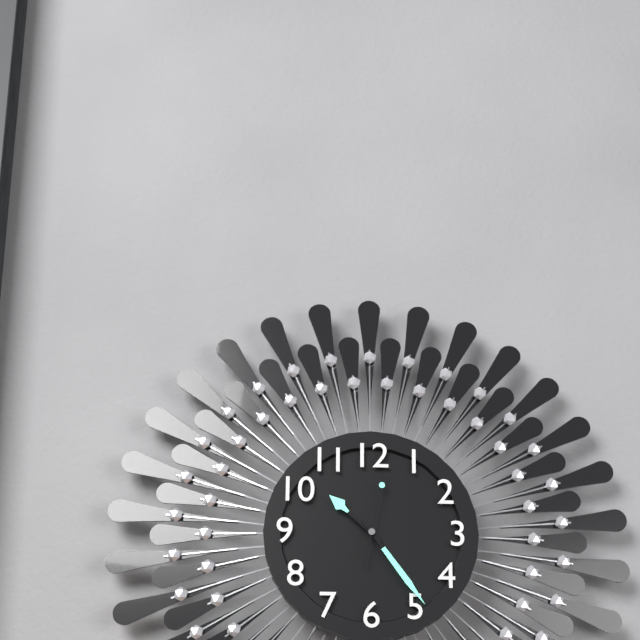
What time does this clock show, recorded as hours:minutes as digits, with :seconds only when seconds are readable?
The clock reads 10:24:02
